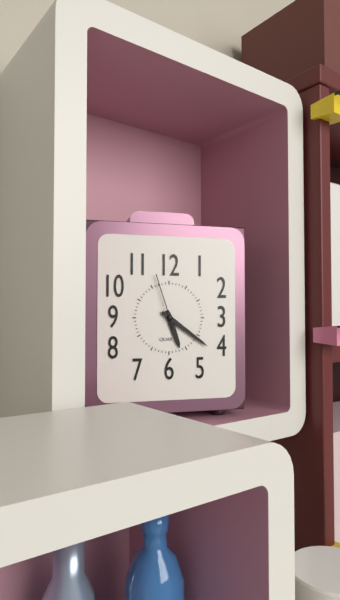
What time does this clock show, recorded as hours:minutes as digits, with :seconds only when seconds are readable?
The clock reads 5:21:57
